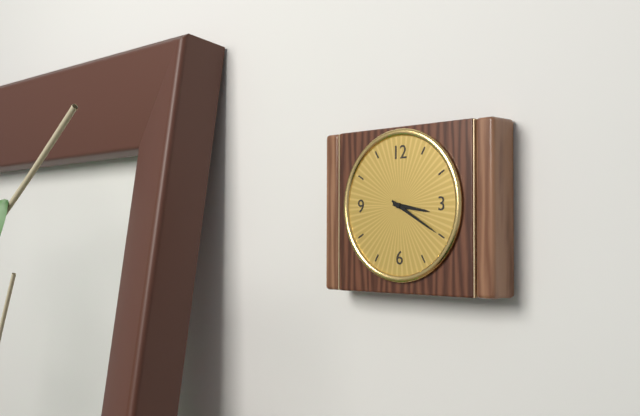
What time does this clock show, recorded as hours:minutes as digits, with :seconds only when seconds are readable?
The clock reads 3:20
